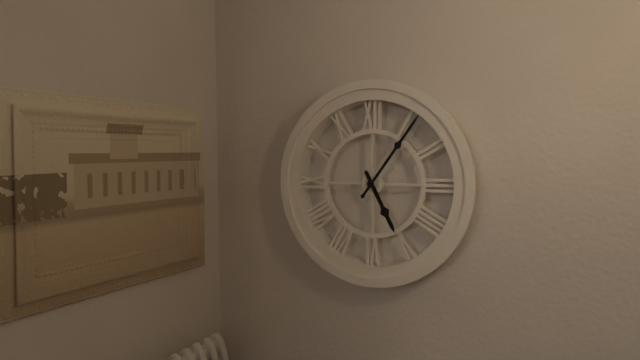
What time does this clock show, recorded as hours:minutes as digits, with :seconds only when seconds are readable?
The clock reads 5:06
